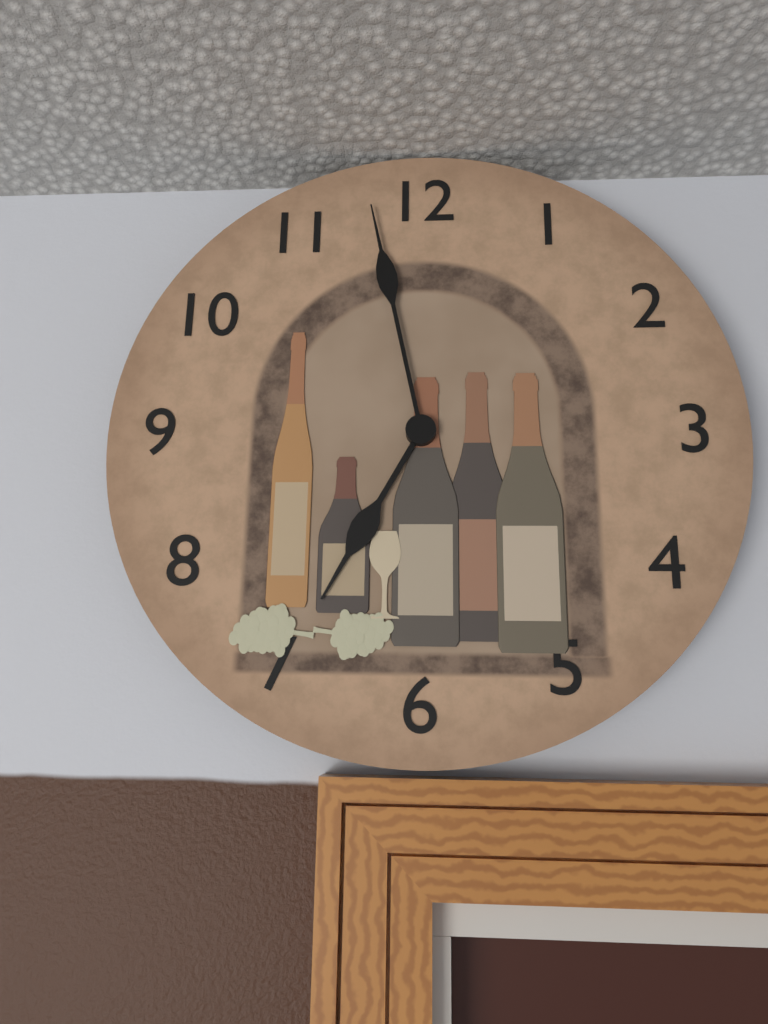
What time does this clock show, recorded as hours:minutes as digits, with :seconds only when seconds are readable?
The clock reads 6:58
